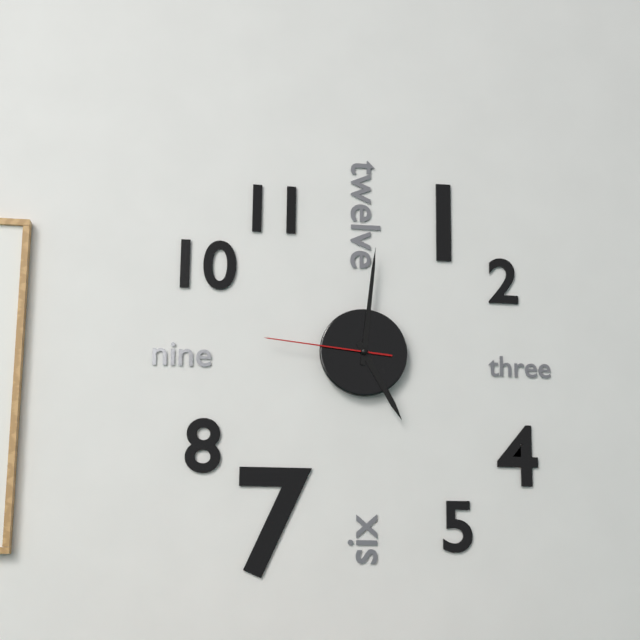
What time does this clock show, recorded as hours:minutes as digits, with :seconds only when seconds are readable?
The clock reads 5:01:46
